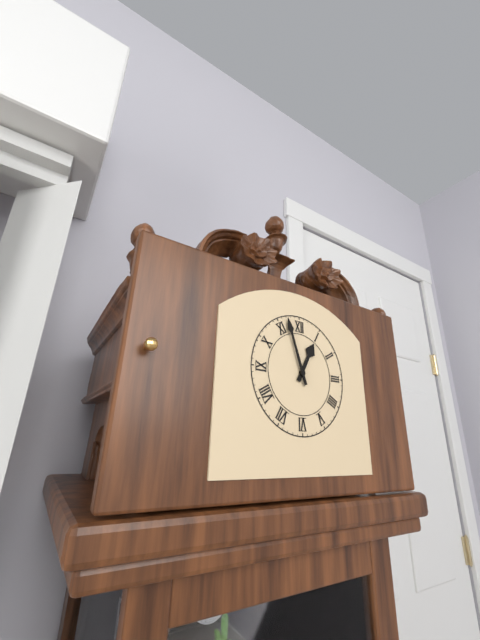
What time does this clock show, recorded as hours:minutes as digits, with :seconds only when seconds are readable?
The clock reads 12:57
